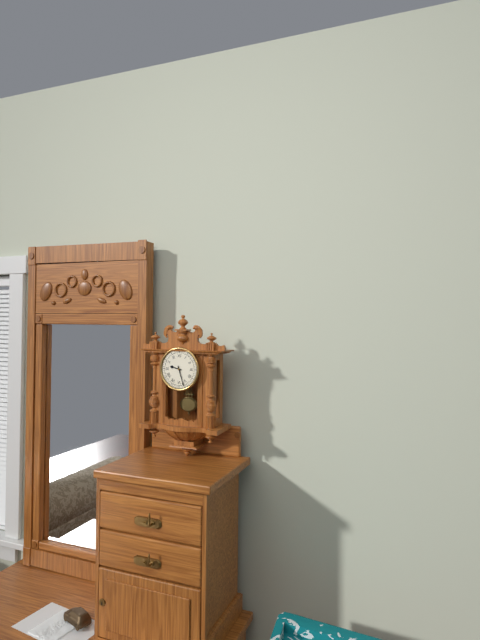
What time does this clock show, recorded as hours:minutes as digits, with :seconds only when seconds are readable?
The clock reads 9:27
